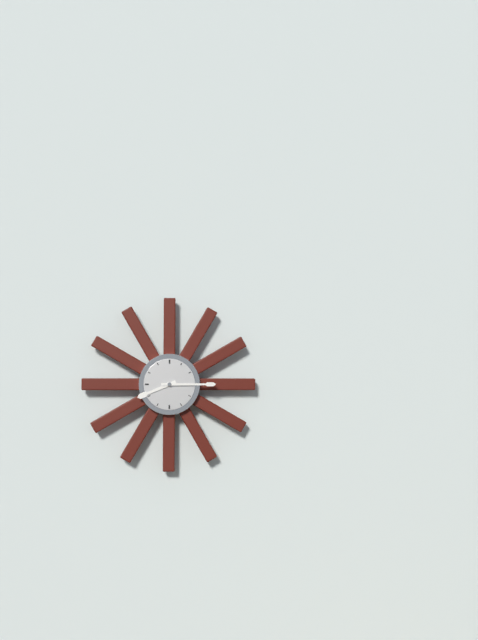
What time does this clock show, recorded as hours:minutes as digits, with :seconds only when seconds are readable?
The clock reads 8:15
